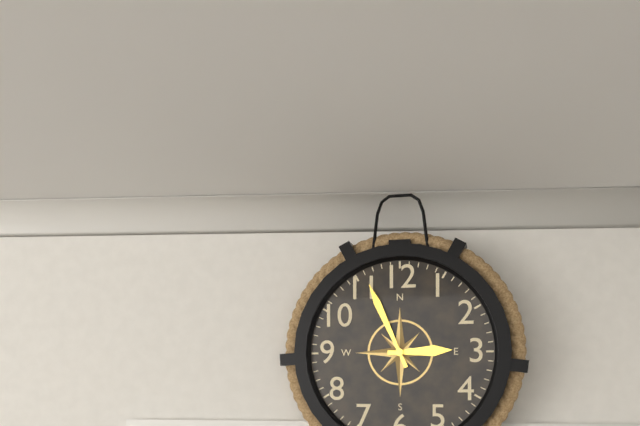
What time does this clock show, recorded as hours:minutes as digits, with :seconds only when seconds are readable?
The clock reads 2:56
